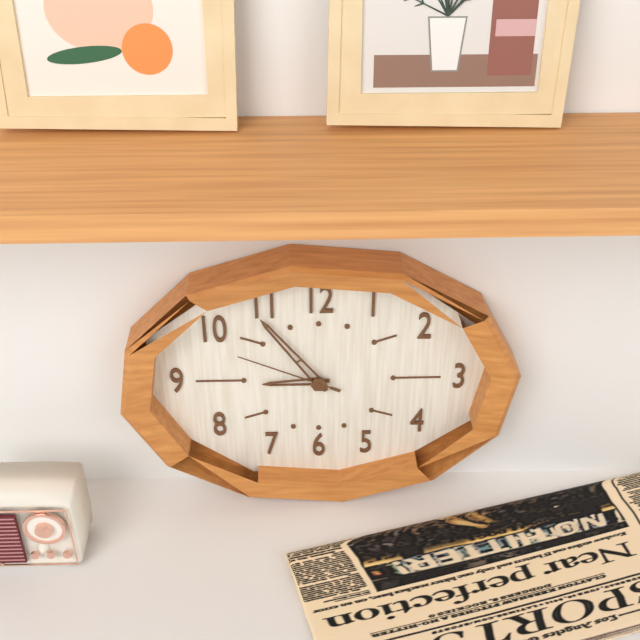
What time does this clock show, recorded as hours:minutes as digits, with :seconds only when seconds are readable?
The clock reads 8:54:49
